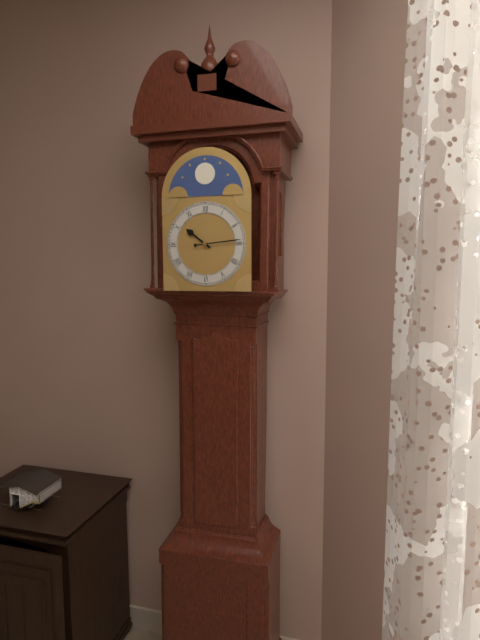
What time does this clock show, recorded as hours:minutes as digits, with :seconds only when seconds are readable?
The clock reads 10:14
